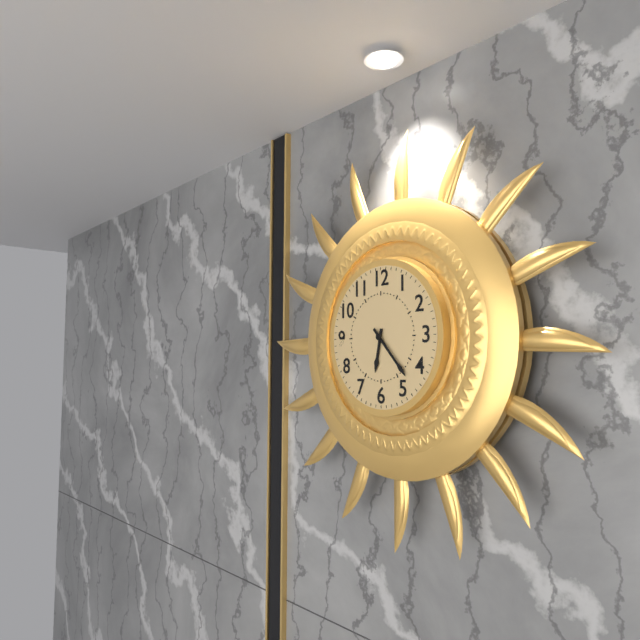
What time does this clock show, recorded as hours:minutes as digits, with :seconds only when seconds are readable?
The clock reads 6:23
